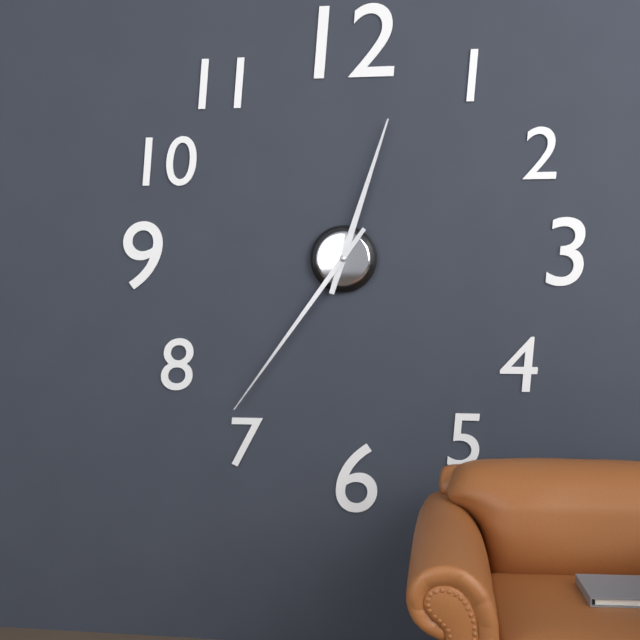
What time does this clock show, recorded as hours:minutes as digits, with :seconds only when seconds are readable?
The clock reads 12:36
